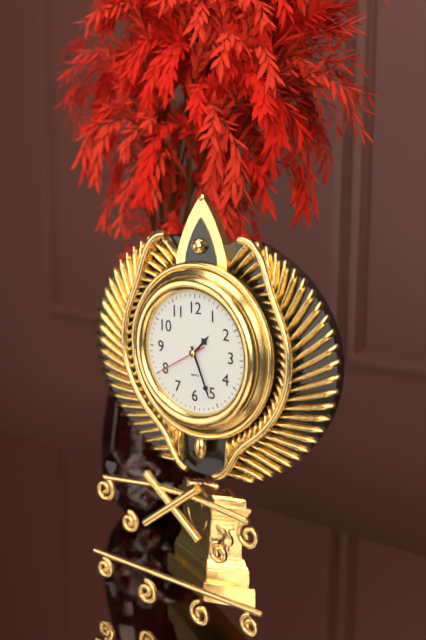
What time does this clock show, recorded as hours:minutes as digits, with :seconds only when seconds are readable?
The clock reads 1:26:40
